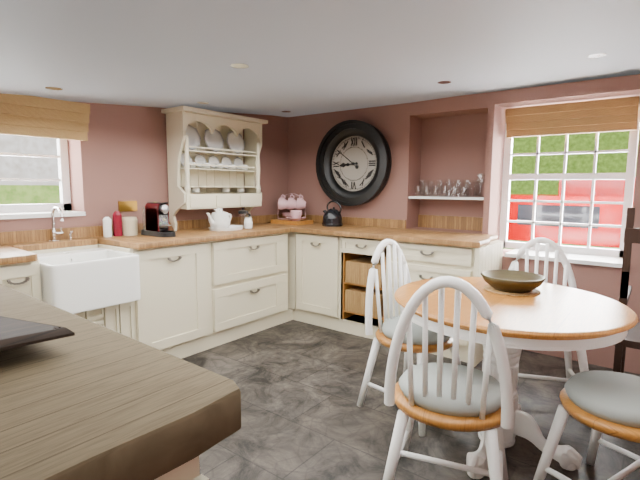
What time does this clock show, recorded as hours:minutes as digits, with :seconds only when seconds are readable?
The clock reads 8:51
